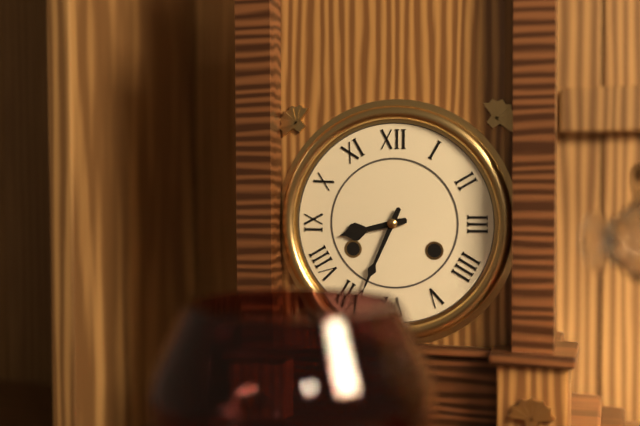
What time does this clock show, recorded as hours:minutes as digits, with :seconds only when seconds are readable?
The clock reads 8:34
